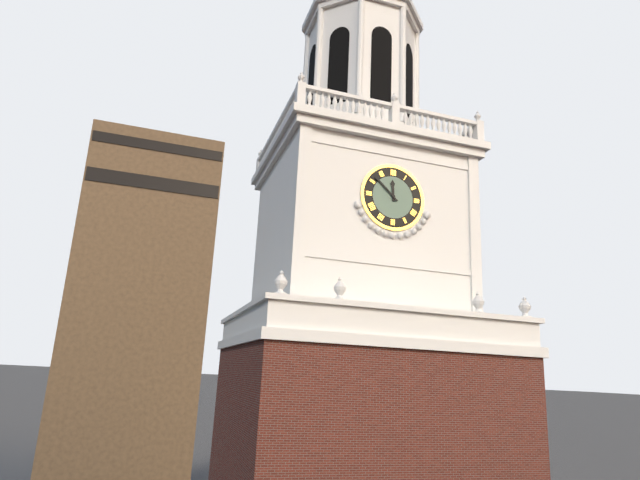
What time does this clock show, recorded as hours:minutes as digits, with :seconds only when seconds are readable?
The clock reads 11:52
